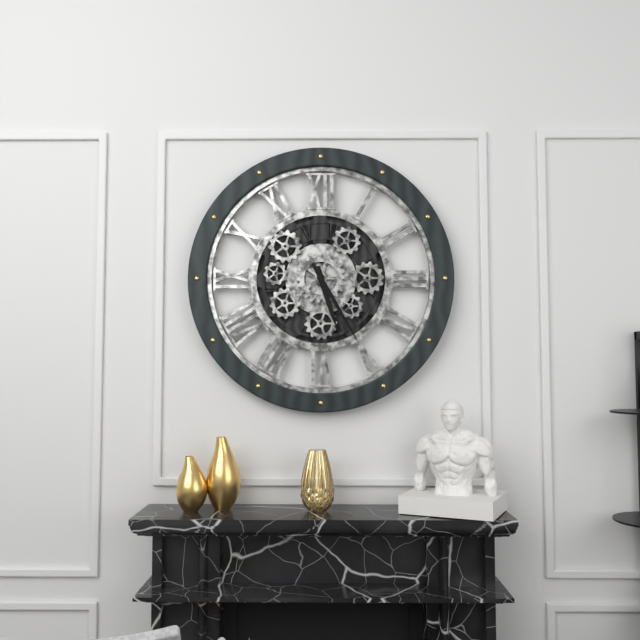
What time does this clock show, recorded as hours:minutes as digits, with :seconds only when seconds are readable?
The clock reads 5:25
